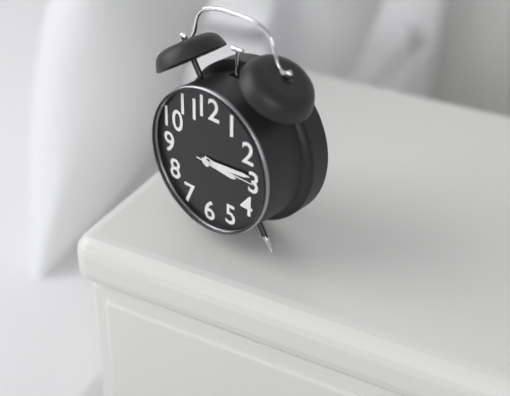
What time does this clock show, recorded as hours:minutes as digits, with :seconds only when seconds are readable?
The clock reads 3:14:15
